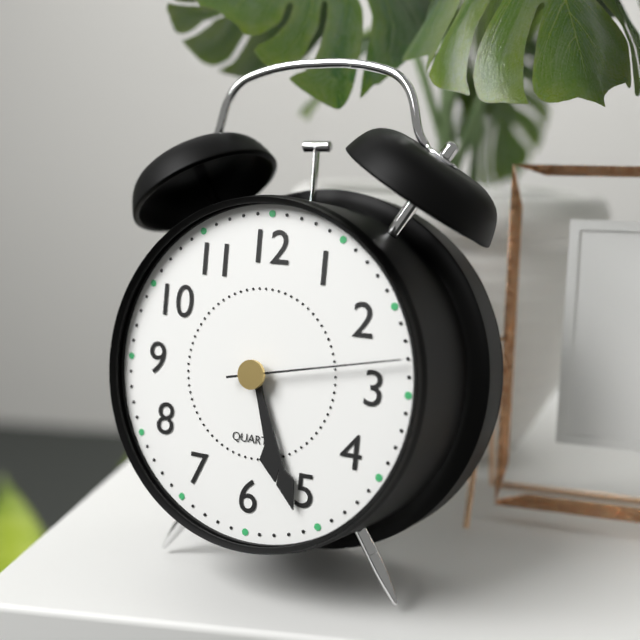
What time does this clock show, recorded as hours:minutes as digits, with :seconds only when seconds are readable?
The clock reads 5:26:13
